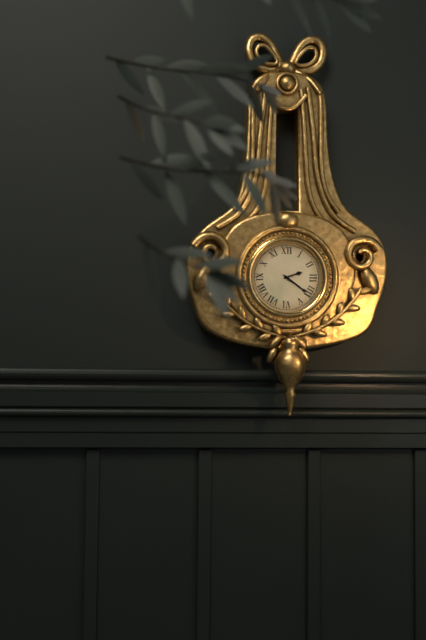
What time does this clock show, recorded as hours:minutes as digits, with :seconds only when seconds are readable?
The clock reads 2:21
